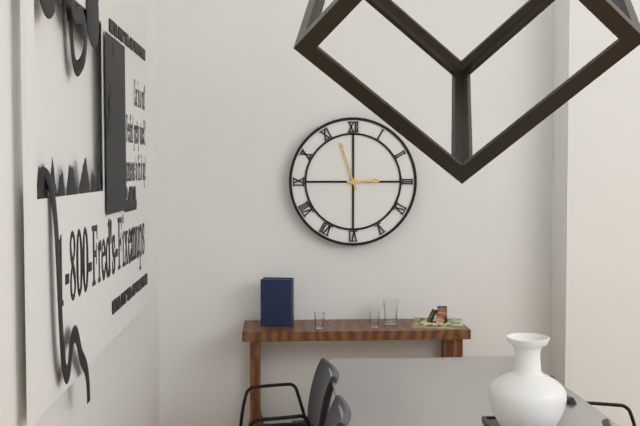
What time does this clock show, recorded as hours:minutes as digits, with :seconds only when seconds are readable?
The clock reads 2:57
